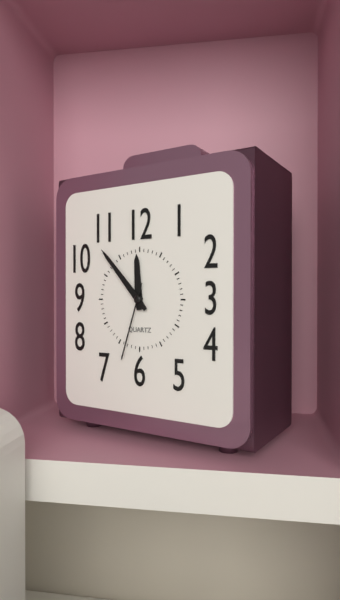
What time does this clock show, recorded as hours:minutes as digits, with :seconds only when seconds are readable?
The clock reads 11:53:33
